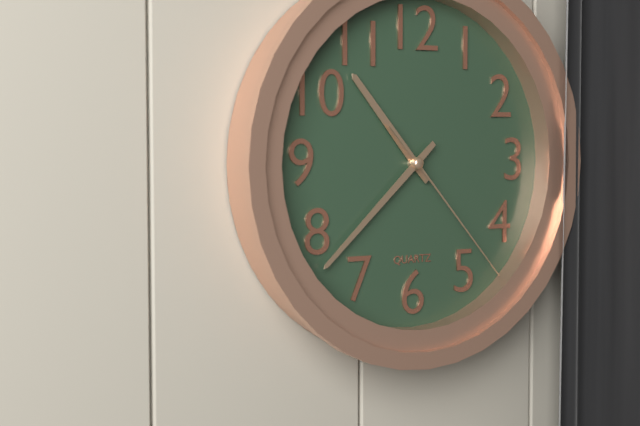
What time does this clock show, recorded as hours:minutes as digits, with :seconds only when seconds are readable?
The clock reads 10:38:23
